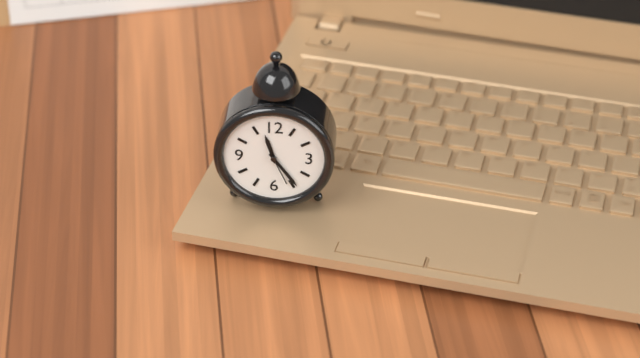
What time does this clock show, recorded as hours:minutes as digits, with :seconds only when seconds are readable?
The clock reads 11:24:26
